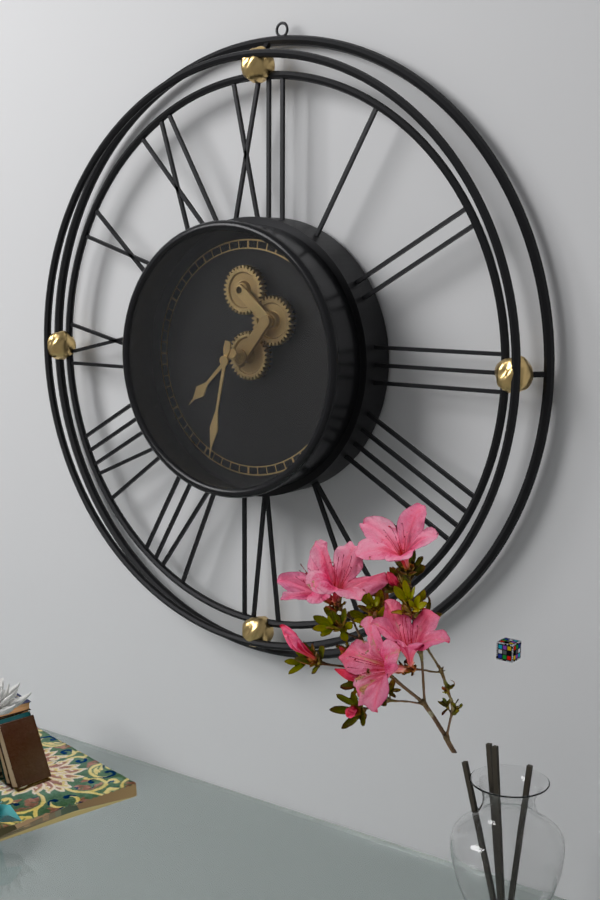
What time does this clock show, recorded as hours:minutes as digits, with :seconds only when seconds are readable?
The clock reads 7:32
